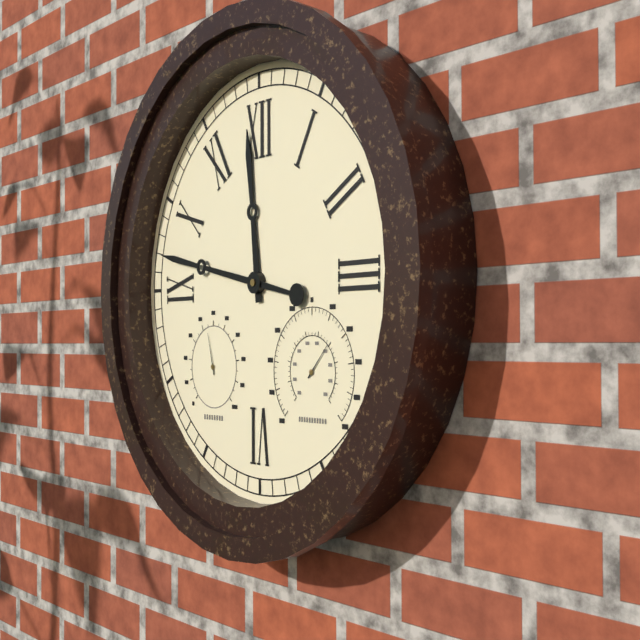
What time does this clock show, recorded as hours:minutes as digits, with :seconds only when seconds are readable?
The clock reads 11:47
